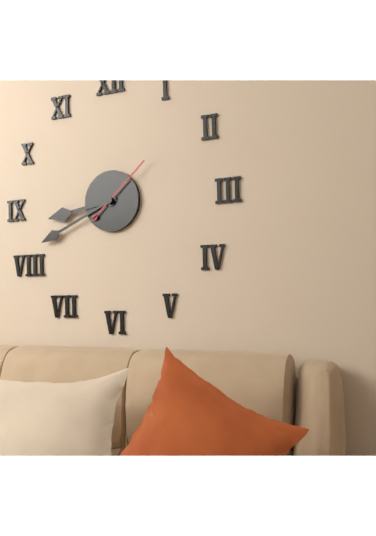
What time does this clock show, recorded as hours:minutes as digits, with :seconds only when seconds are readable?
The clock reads 8:41:08
